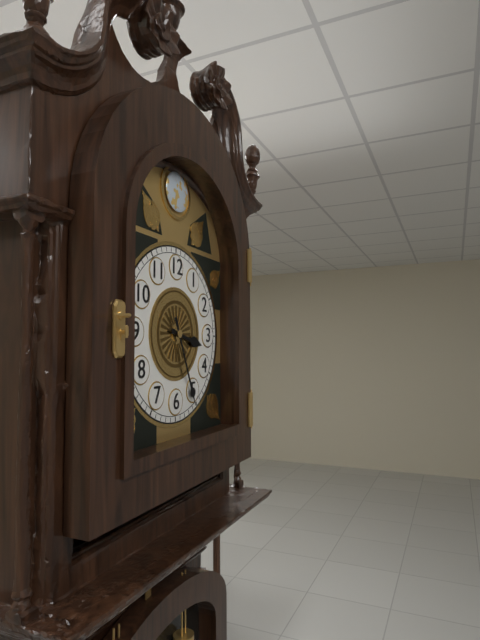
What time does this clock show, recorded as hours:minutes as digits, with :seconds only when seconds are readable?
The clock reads 3:26
